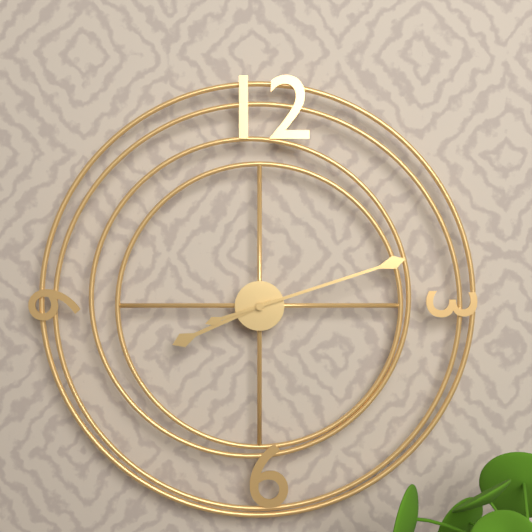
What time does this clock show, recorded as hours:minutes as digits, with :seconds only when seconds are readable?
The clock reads 8:12
